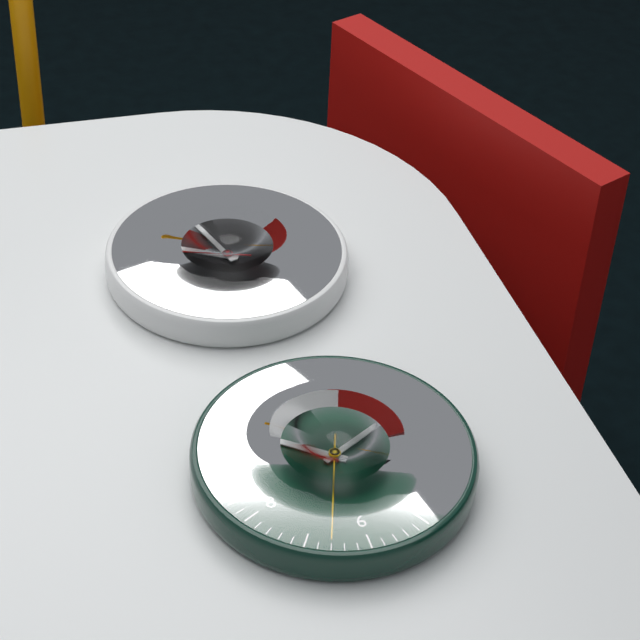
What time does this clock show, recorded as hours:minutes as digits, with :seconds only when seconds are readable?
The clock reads 9:57:48
